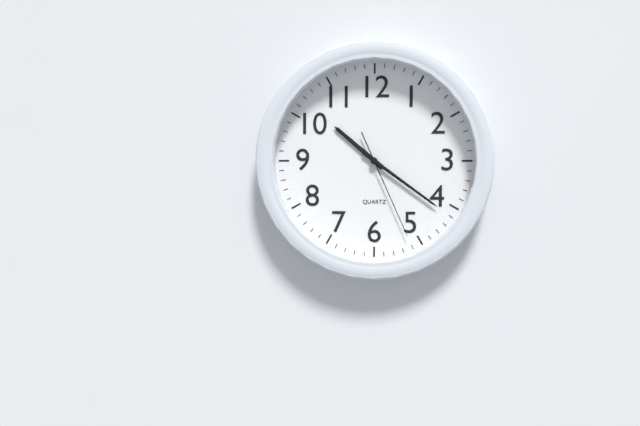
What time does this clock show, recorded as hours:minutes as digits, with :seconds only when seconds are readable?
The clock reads 10:21:26
